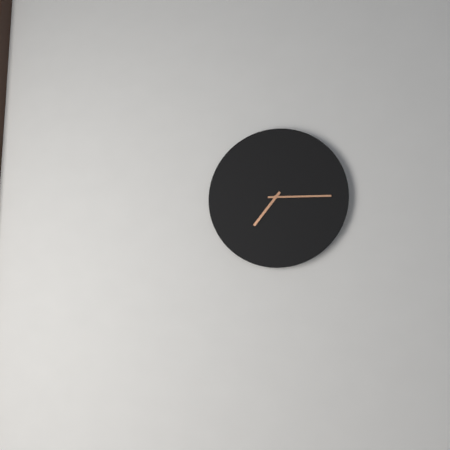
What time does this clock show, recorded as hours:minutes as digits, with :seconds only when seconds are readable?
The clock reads 7:15
